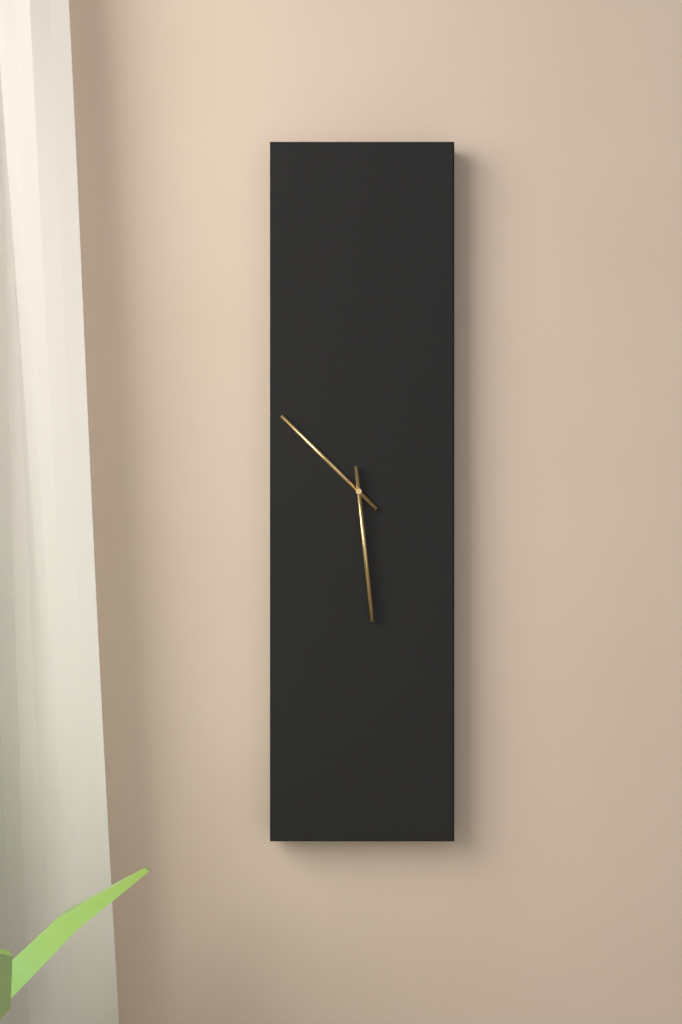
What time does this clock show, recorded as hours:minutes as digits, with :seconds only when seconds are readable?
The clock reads 10:29
